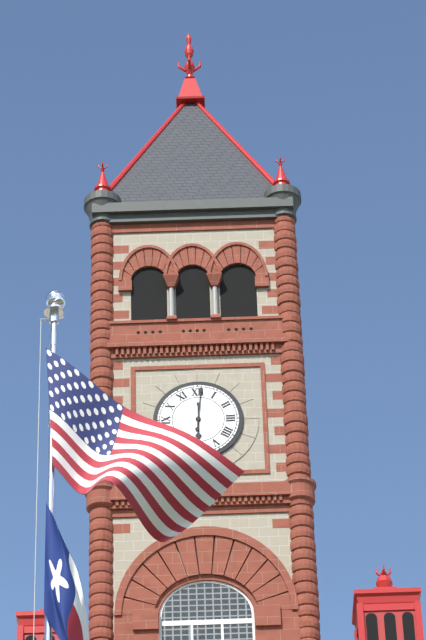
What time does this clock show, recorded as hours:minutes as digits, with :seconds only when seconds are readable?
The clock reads 6:01
